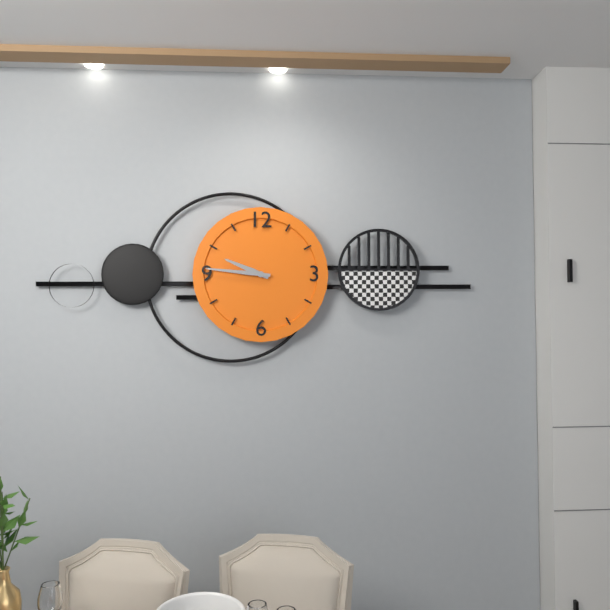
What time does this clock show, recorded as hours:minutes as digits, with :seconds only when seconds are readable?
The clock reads 9:46
